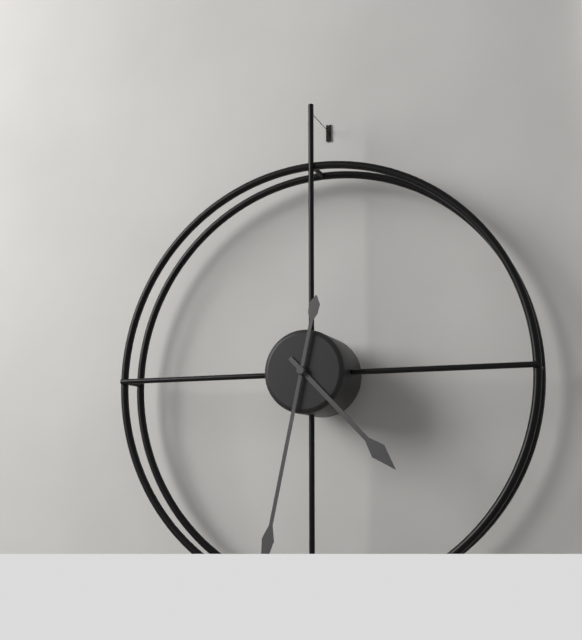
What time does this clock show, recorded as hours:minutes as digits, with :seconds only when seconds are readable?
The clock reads 4:32
